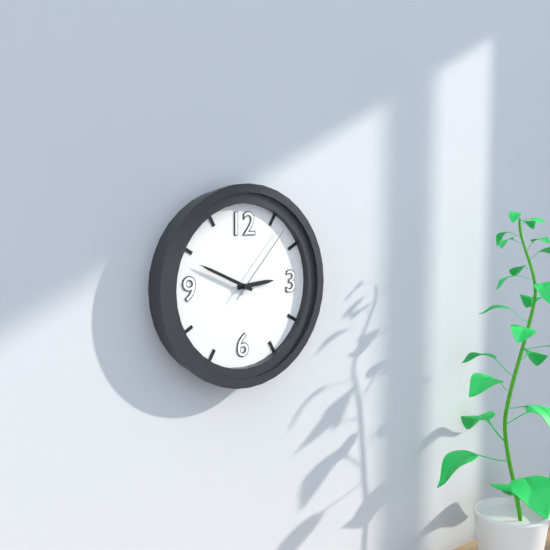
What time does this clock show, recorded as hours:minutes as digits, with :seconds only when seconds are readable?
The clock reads 2:49:07
